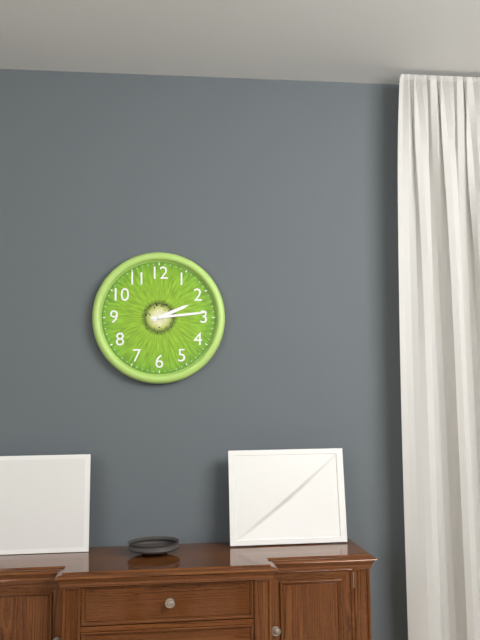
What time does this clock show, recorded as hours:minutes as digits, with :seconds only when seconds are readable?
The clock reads 2:14
